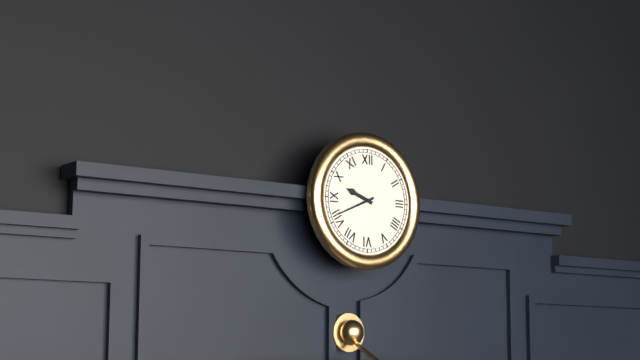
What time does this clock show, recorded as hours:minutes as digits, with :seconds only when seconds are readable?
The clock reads 9:41
